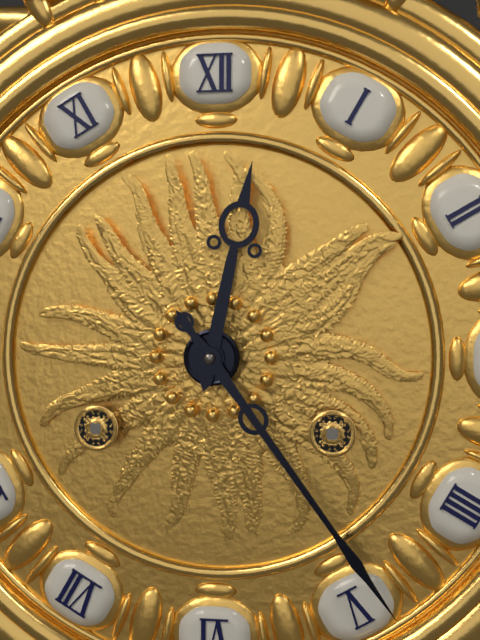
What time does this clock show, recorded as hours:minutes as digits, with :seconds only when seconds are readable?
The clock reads 12:24
